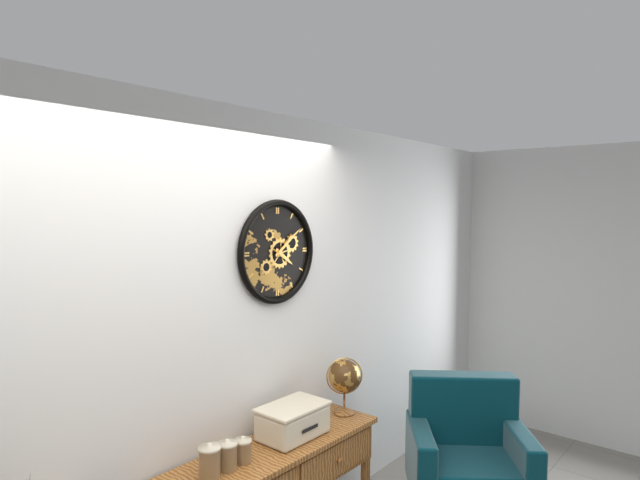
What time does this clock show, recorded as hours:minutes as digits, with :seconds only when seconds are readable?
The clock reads 4:09
